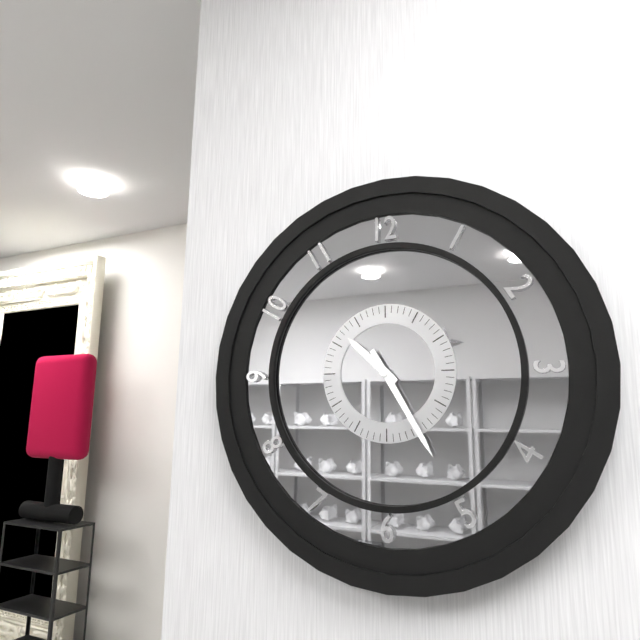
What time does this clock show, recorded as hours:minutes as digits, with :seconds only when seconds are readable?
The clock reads 10:25
